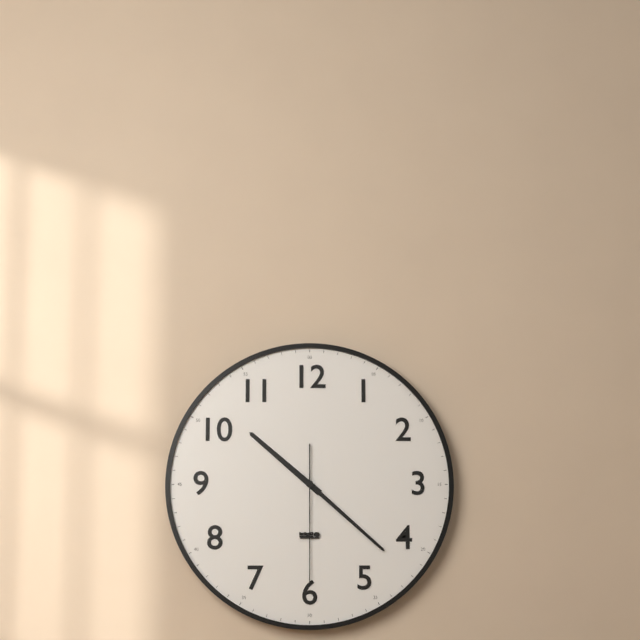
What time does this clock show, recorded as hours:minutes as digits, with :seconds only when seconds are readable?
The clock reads 10:22:30
